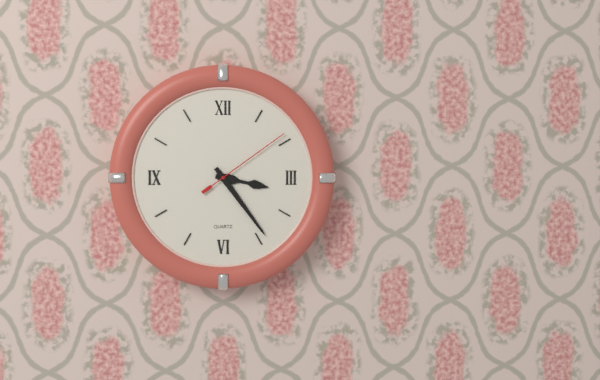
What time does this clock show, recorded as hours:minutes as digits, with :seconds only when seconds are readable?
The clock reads 3:24:09
